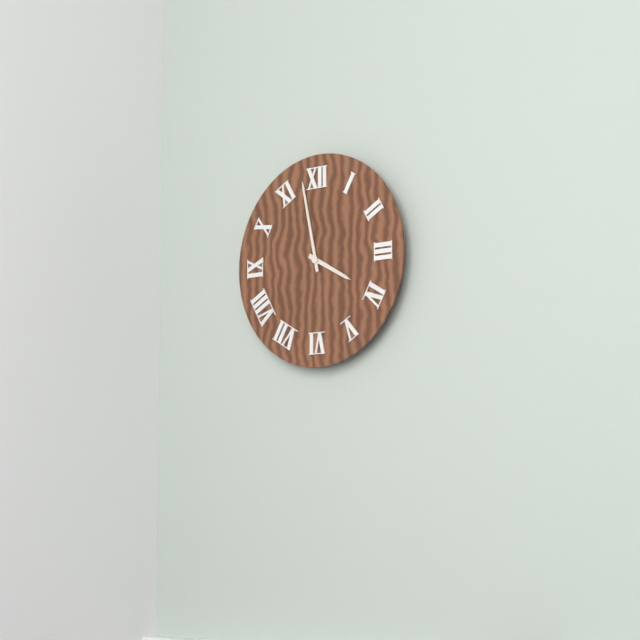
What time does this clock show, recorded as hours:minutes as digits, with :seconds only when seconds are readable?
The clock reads 3:58
